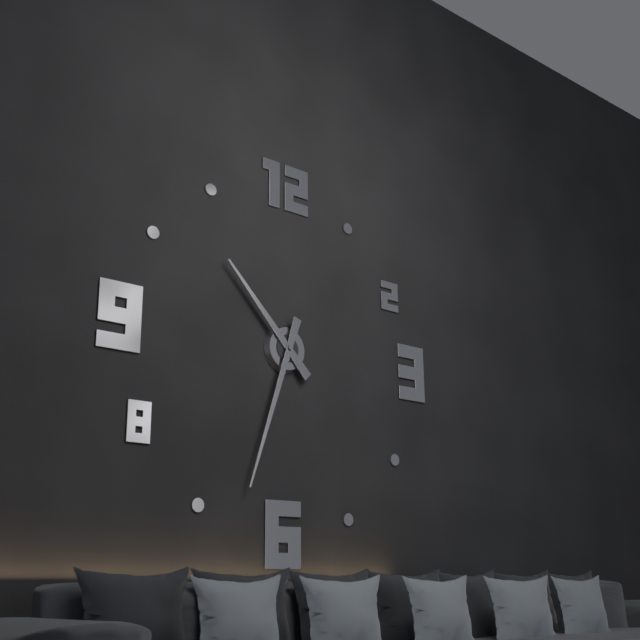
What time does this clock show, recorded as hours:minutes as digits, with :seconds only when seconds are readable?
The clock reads 10:33
